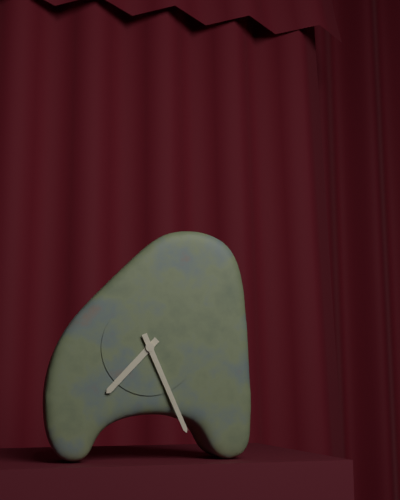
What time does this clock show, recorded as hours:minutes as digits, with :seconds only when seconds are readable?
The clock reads 7:26
